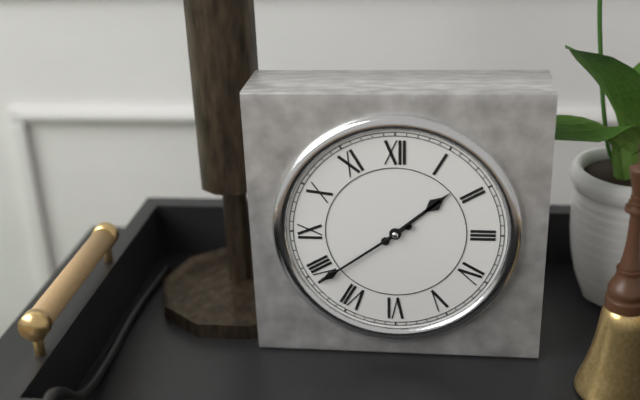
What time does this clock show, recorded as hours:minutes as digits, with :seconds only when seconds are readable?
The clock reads 1:39
